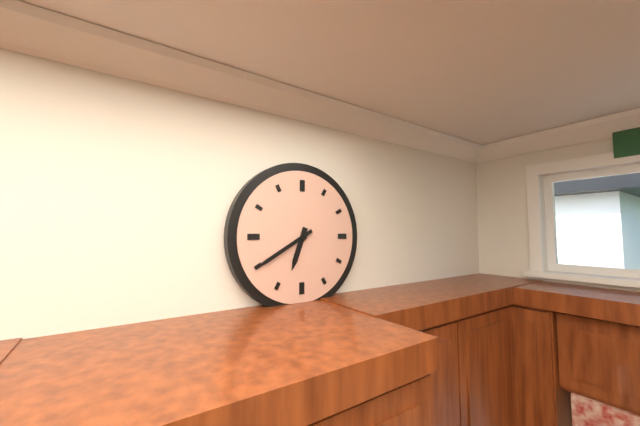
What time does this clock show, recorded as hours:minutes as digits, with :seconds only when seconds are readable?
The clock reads 6:40
